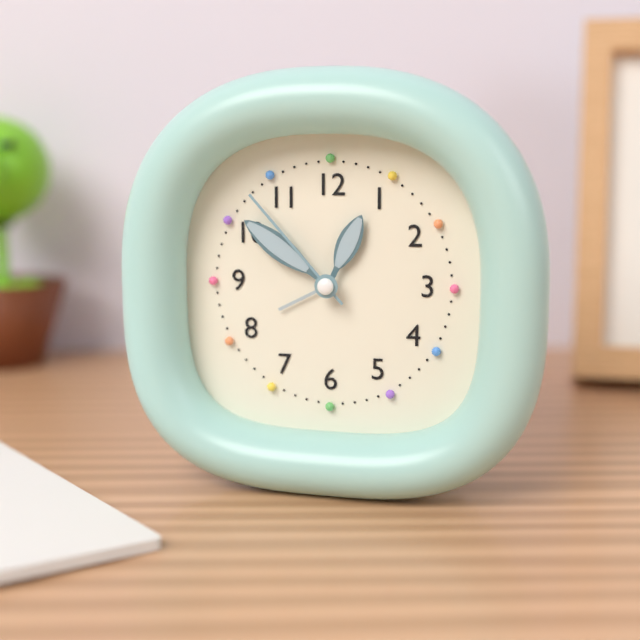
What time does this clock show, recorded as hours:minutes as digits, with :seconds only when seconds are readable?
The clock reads 12:51:53
